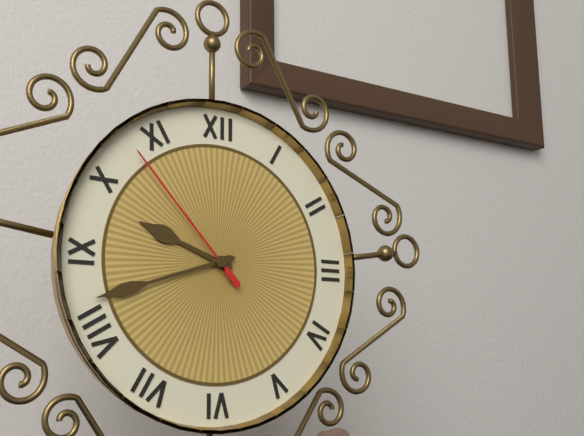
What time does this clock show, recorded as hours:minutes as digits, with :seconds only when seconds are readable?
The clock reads 9:42:53
